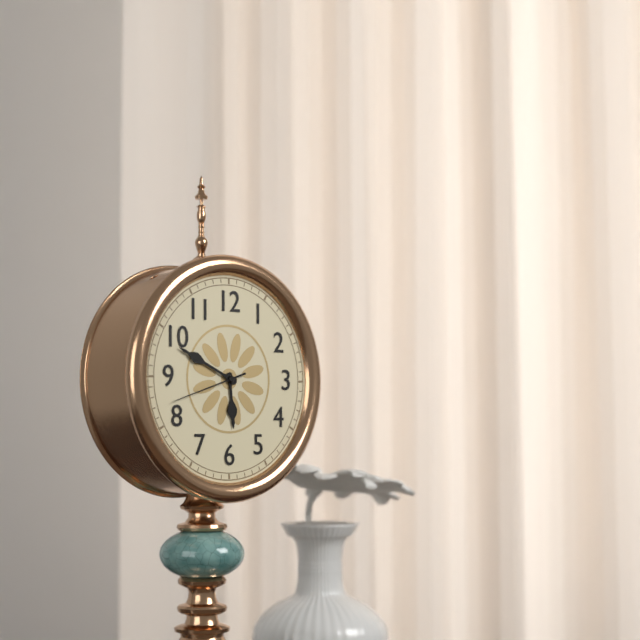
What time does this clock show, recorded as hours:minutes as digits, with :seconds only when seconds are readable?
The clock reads 5:49:42
